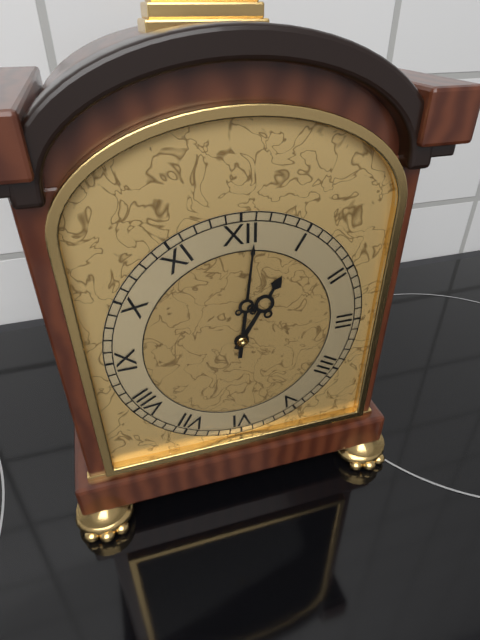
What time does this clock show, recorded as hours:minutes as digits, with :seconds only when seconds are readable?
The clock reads 1:01
